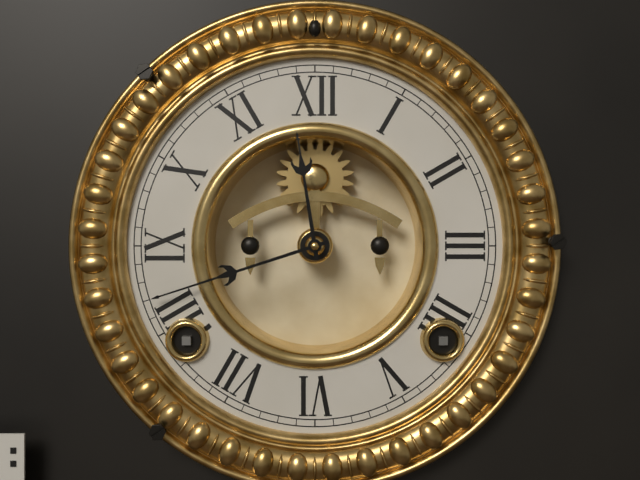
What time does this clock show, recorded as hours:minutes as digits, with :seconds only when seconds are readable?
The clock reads 11:42
